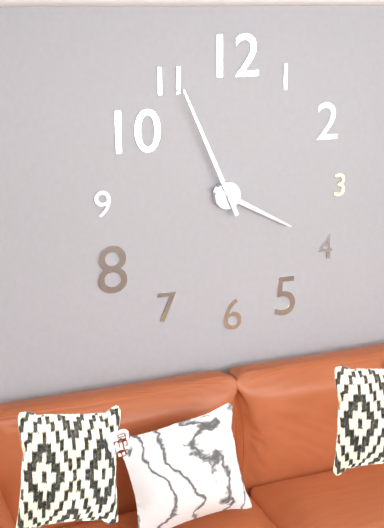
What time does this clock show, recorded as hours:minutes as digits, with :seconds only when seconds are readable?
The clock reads 3:56
